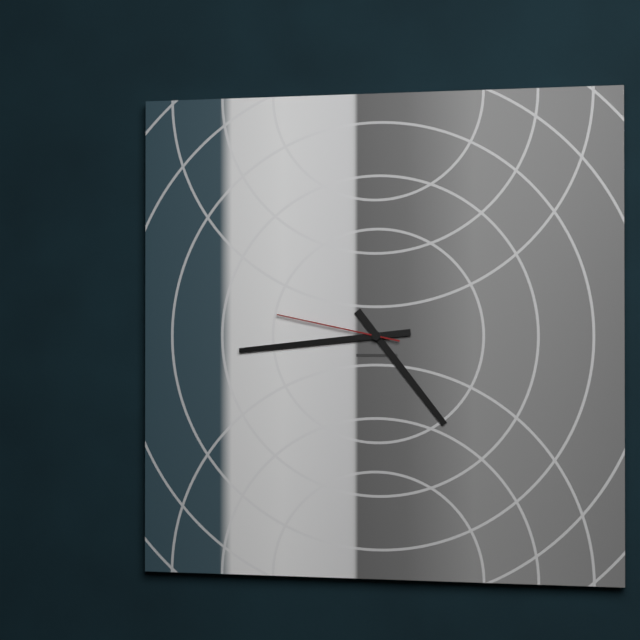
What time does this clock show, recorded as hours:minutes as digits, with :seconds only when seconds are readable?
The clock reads 4:44:47
